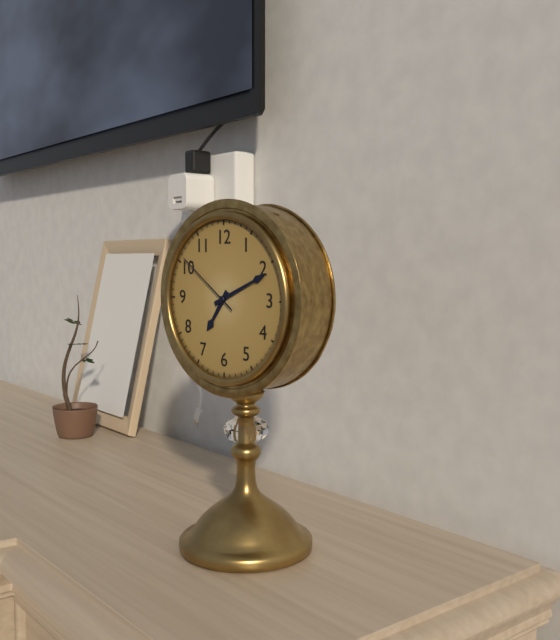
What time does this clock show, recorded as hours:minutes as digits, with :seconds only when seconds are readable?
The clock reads 7:11:51
